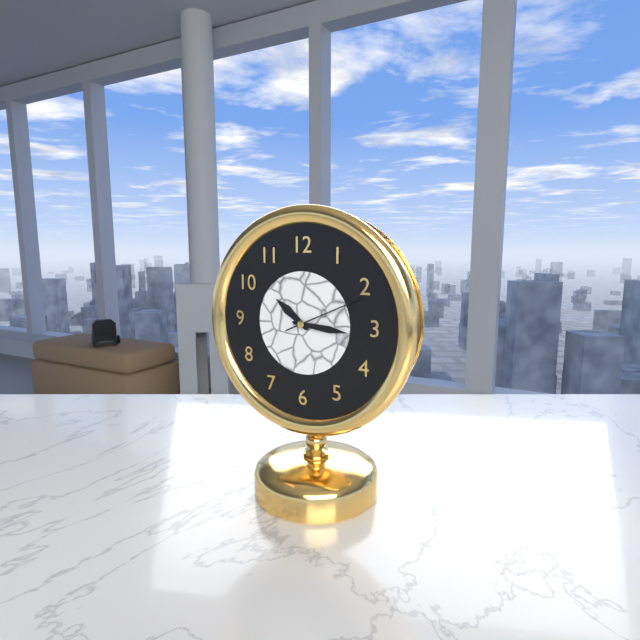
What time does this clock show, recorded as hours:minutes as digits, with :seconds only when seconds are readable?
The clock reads 10:16:11
